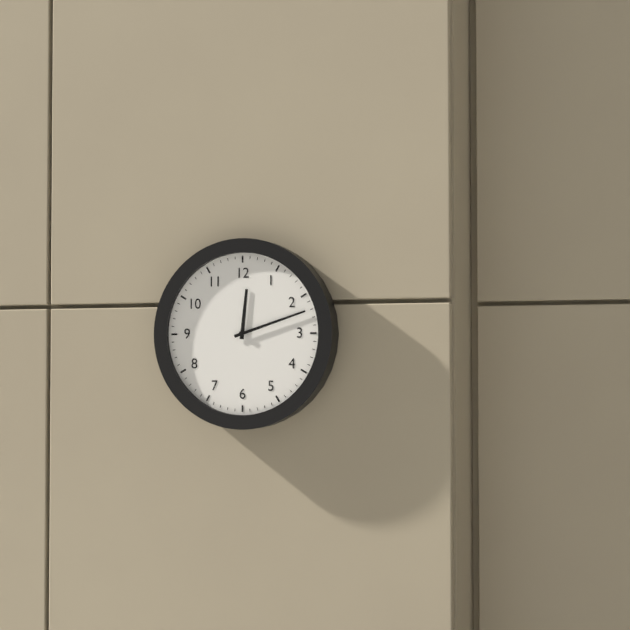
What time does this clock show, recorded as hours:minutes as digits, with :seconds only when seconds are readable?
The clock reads 12:12
